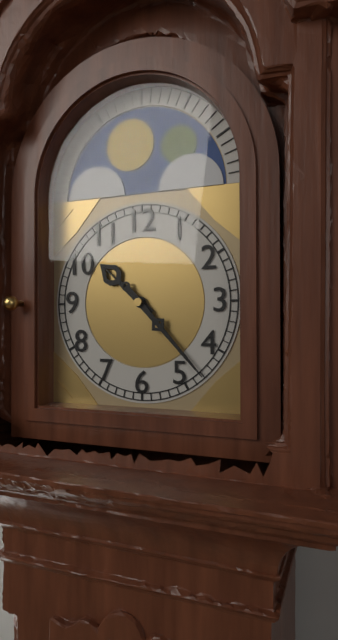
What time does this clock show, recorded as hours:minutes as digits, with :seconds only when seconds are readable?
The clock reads 10:23
